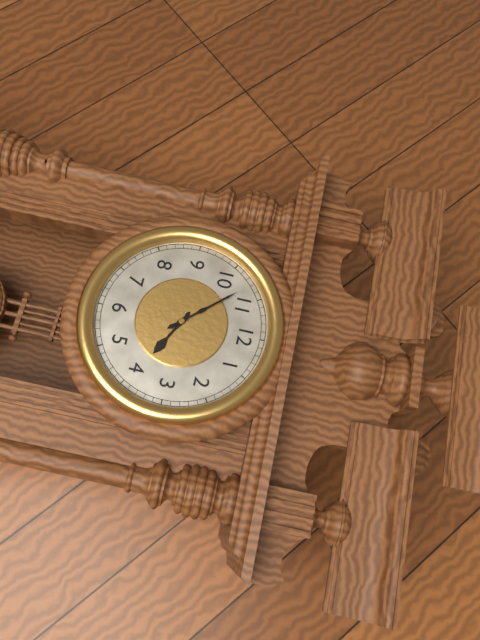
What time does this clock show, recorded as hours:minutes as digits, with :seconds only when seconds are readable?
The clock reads 3:53
